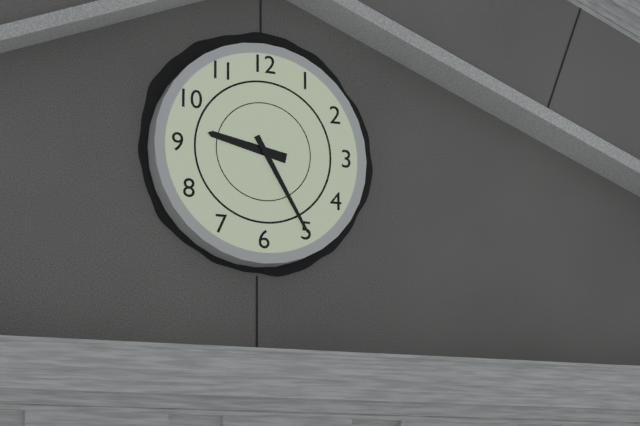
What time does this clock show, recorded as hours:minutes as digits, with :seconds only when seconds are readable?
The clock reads 9:25
